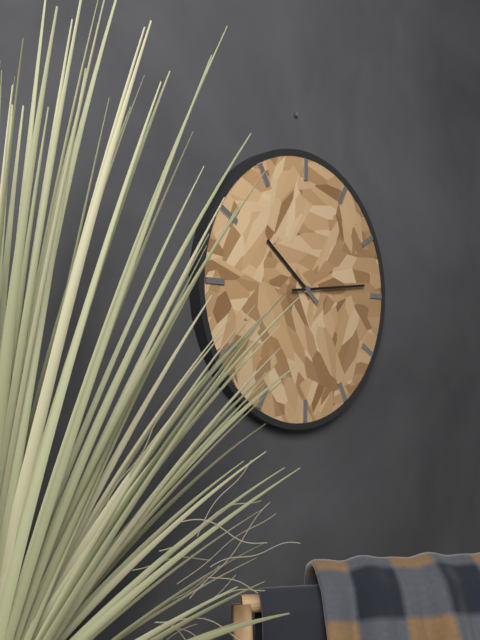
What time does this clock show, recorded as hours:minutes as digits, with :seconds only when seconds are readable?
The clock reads 10:14
